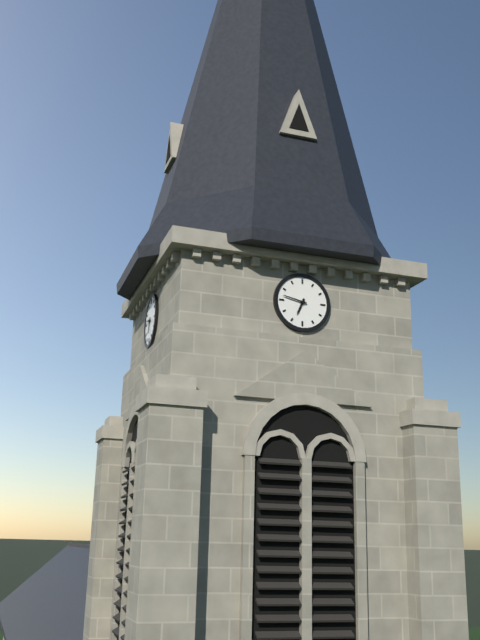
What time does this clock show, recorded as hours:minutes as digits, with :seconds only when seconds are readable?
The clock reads 6:47
